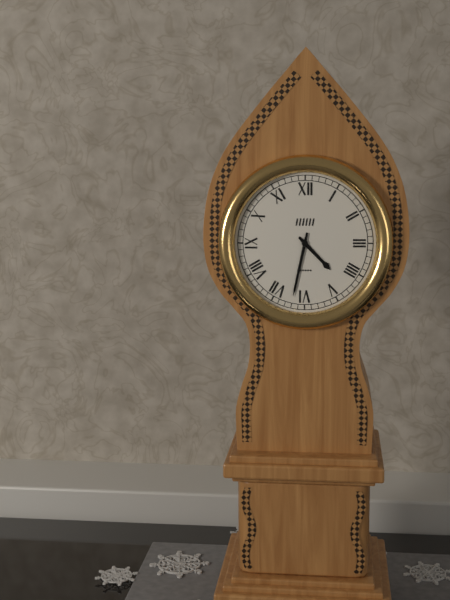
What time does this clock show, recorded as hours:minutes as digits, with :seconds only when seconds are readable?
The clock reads 4:32
